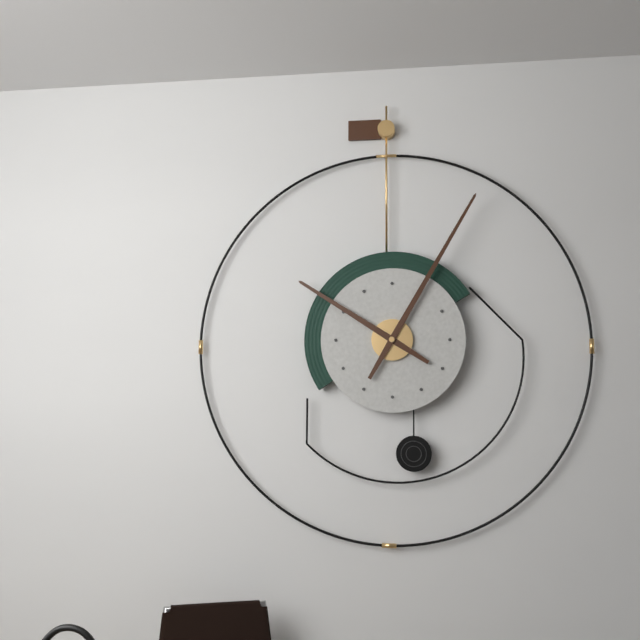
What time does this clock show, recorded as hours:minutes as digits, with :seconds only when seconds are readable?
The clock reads 10:05
